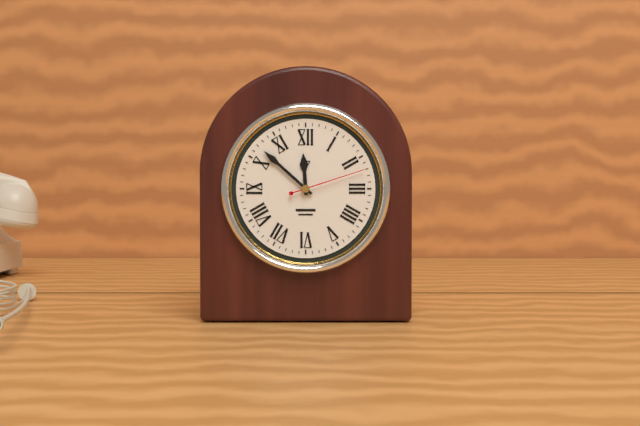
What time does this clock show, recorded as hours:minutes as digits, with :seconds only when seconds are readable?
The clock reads 11:52:12
